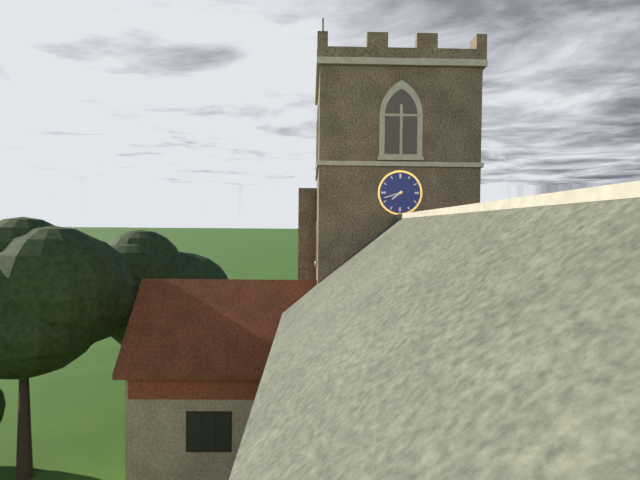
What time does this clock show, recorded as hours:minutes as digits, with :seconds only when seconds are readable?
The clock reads 7:42
